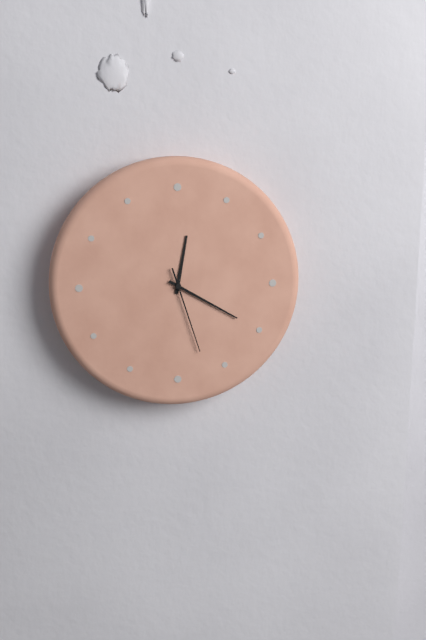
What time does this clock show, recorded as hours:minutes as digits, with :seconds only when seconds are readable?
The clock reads 12:20:27
